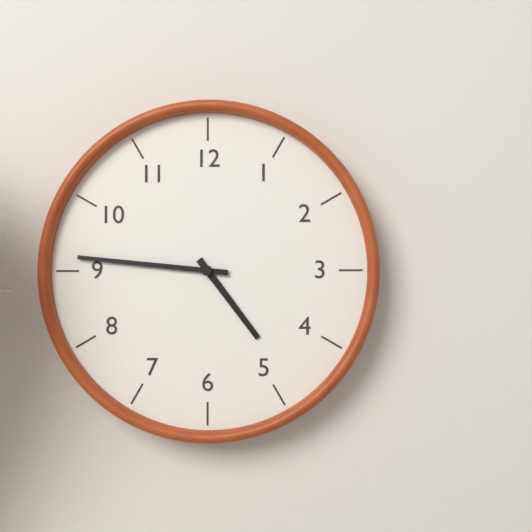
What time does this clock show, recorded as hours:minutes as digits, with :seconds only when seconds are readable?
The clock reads 4:46
